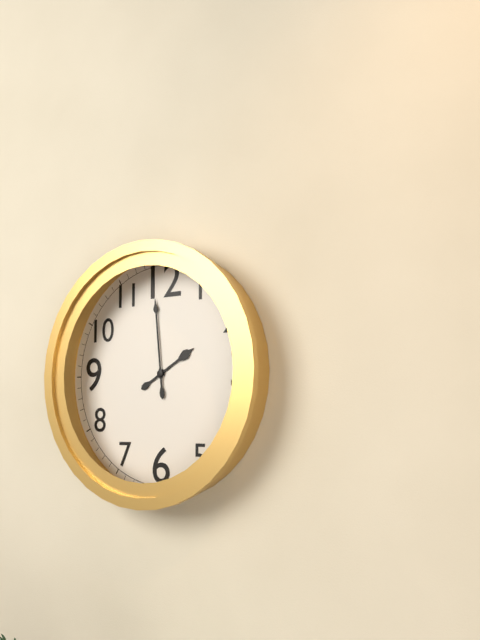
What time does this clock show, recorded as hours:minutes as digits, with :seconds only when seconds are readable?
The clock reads 1:59
